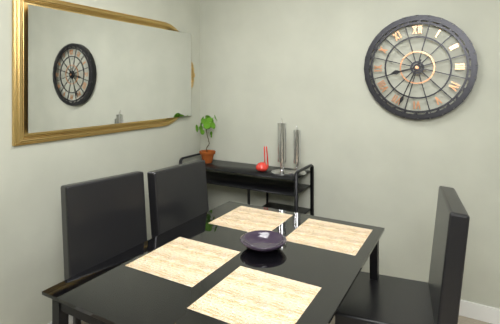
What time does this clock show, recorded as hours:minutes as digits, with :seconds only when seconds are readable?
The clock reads 8:34
